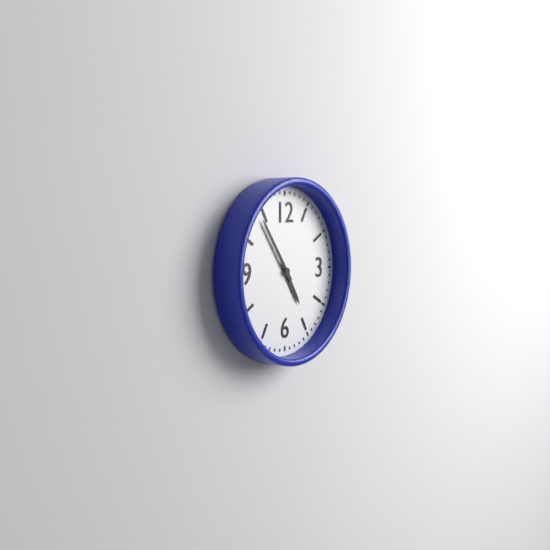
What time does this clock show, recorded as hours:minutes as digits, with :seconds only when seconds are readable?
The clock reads 4:54
